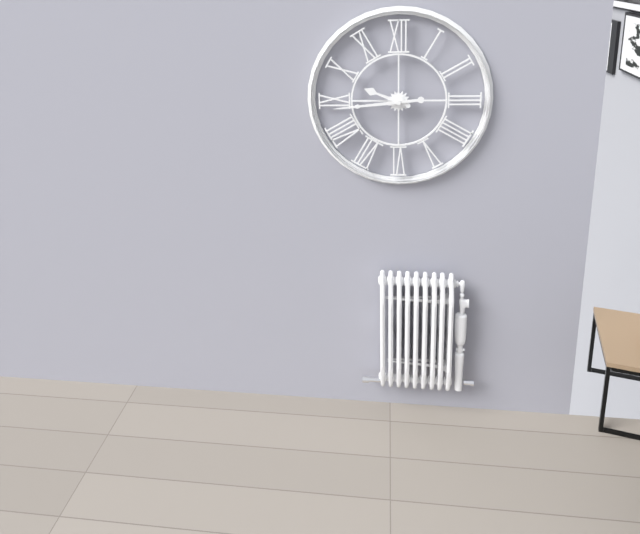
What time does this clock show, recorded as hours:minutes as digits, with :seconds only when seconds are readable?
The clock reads 9:44
